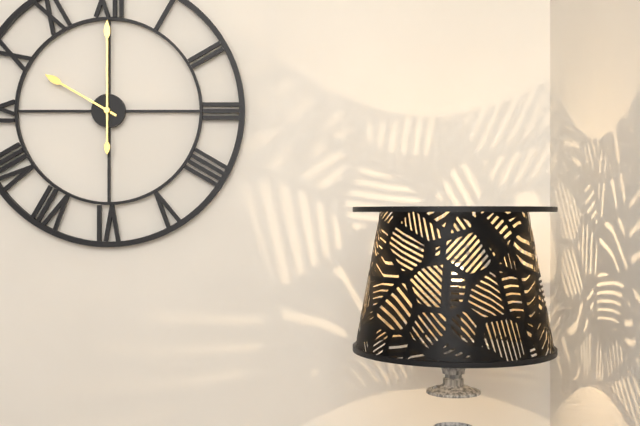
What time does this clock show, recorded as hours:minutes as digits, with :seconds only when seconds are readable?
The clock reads 10:00
